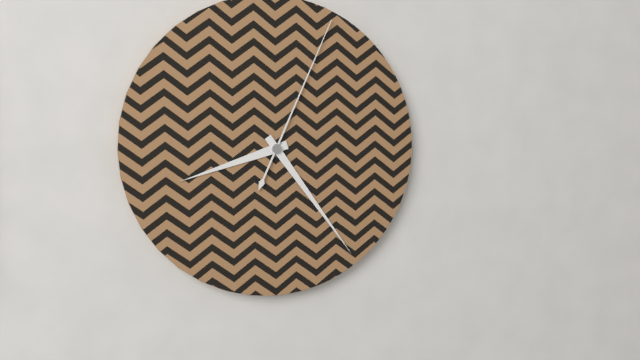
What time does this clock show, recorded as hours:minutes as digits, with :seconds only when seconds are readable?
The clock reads 8:24:04
